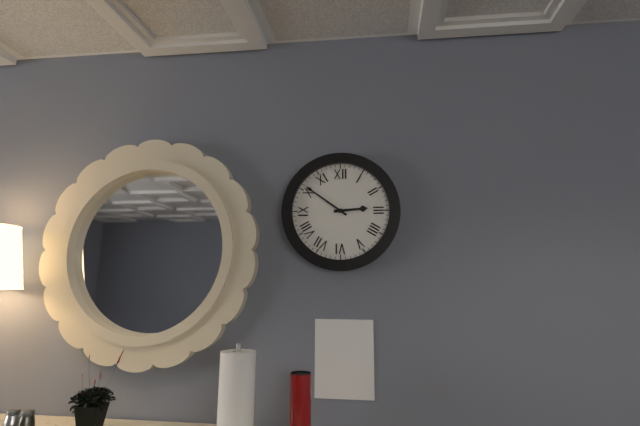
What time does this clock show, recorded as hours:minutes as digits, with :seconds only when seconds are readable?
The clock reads 2:51
